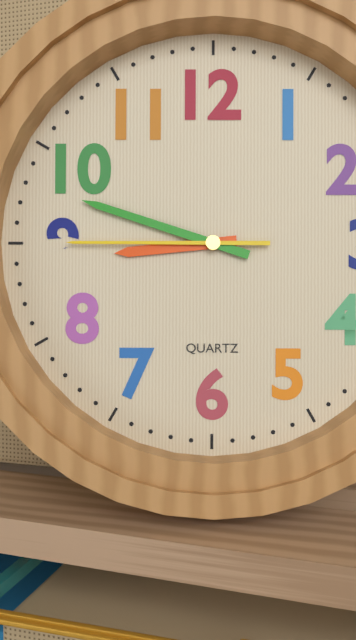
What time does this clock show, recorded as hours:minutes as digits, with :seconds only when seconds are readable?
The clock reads 8:48:45
